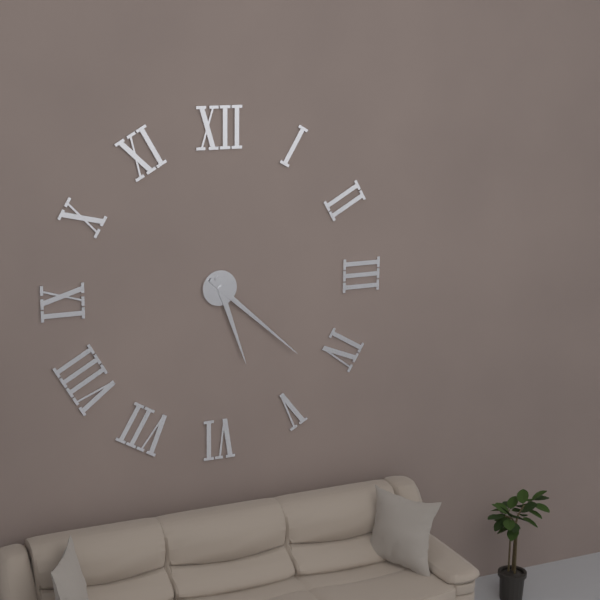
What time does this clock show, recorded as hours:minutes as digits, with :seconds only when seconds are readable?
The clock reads 5:22
